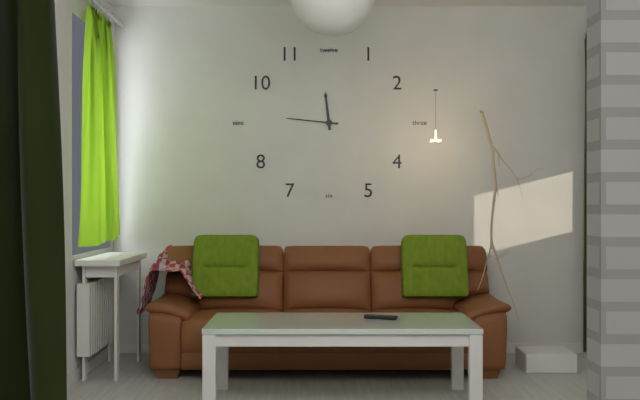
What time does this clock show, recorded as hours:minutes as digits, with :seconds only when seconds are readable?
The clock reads 11:46
